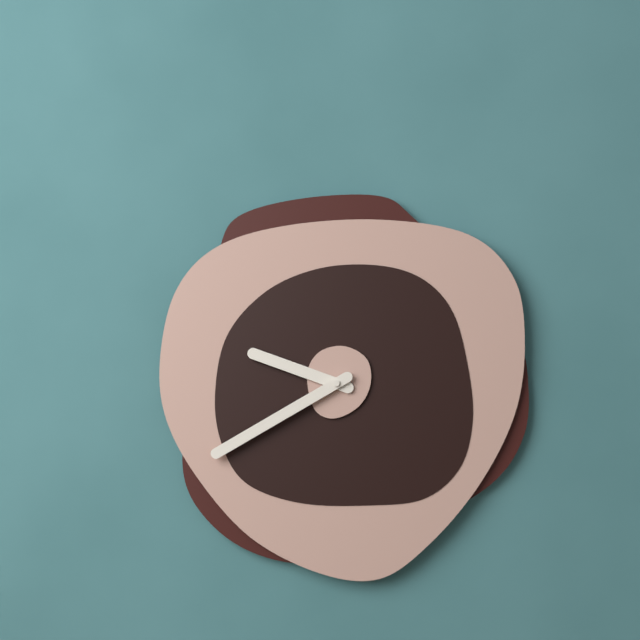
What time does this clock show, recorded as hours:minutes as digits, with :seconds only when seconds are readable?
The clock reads 9:40
